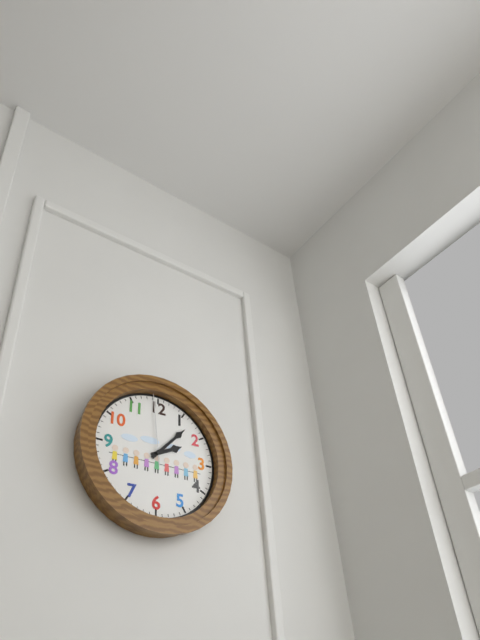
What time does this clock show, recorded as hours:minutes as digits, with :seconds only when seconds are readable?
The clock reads 2:07:59
